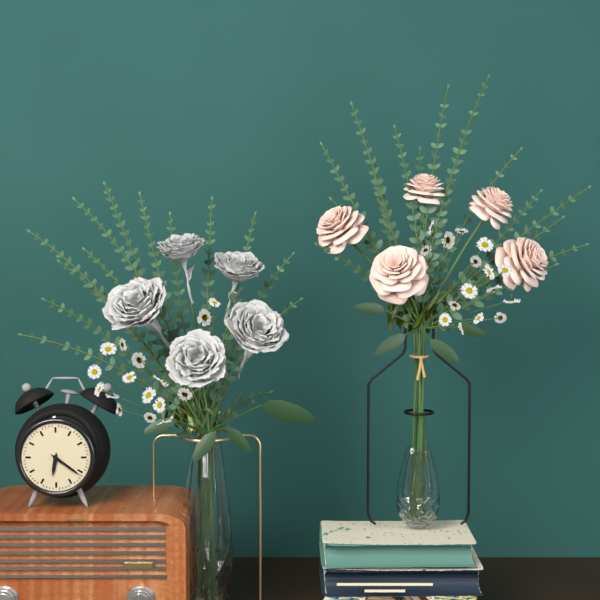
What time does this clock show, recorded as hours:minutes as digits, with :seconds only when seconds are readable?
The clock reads 6:21
